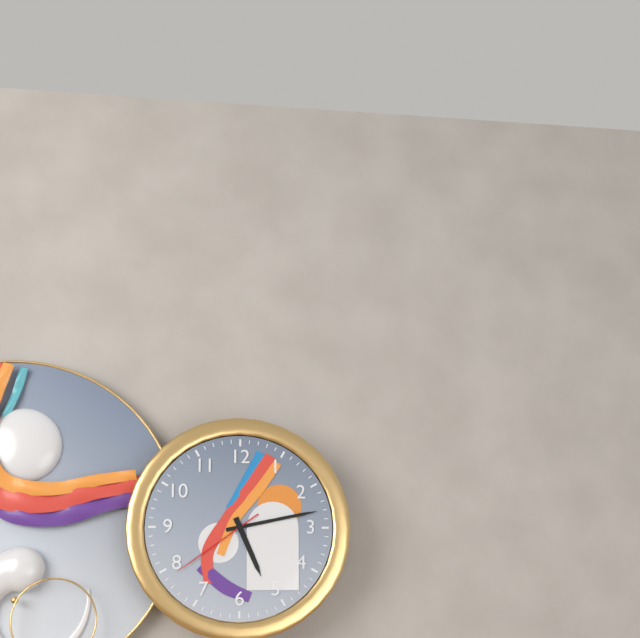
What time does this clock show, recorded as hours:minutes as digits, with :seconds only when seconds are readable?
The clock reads 5:13:39
